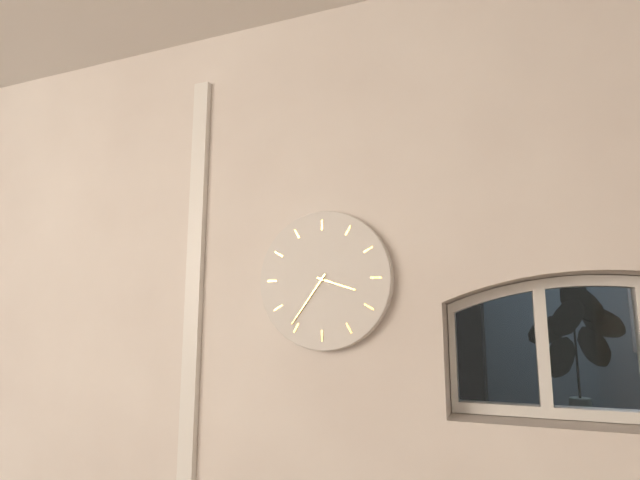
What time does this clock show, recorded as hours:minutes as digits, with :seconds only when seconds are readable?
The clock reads 3:36
